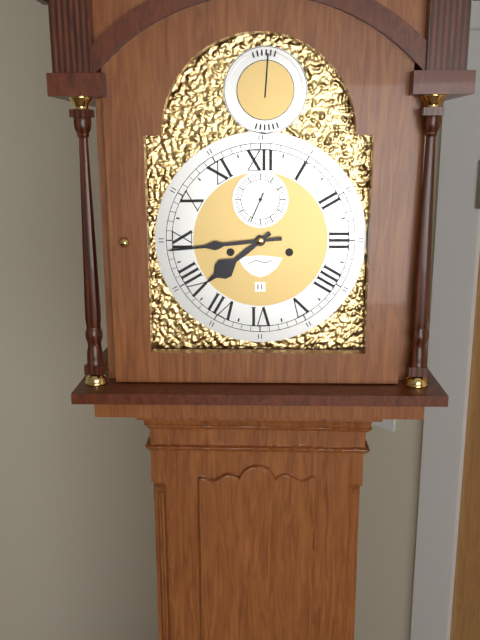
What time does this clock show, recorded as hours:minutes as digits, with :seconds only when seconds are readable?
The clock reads 7:44
